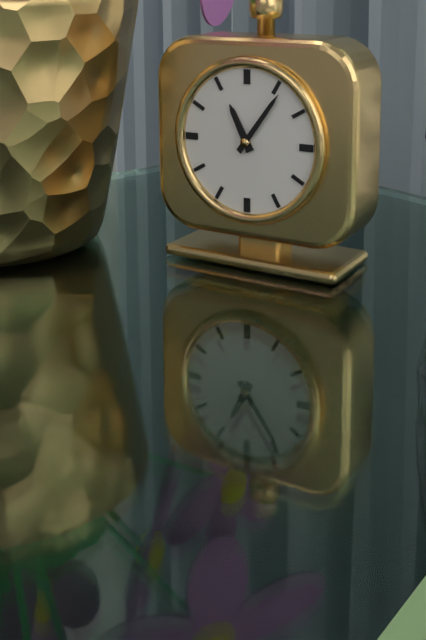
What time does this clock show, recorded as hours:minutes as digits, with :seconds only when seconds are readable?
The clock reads 11:06
